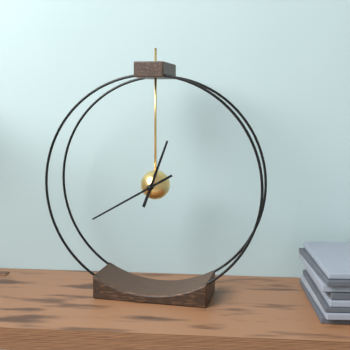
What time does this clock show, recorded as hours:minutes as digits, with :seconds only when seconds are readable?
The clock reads 12:40
